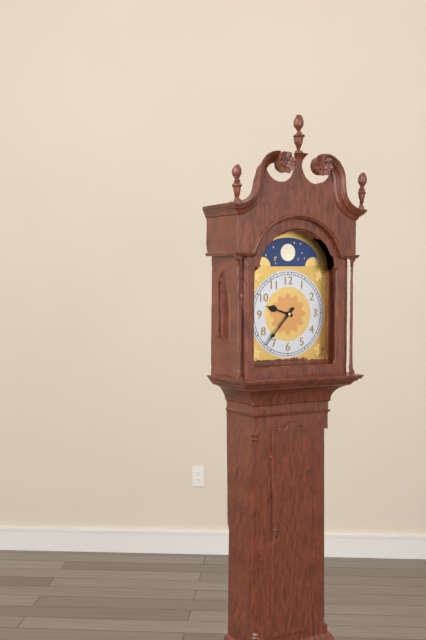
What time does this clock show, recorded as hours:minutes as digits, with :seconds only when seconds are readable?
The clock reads 9:37
